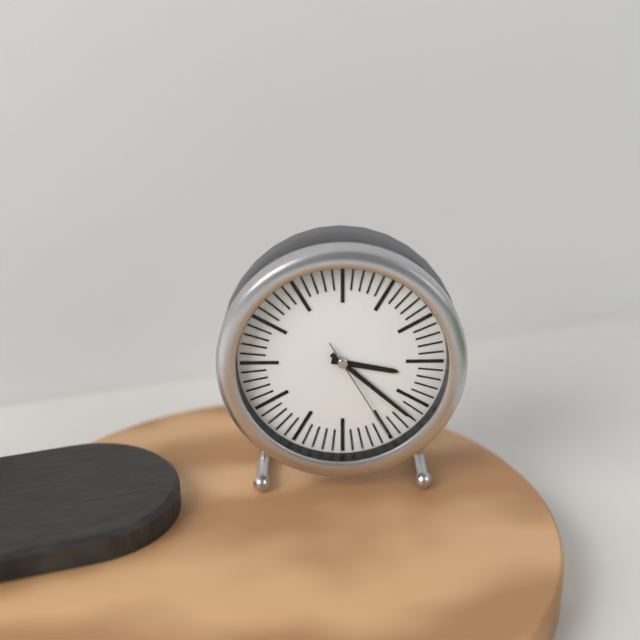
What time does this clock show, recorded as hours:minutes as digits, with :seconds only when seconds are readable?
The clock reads 3:22:25
